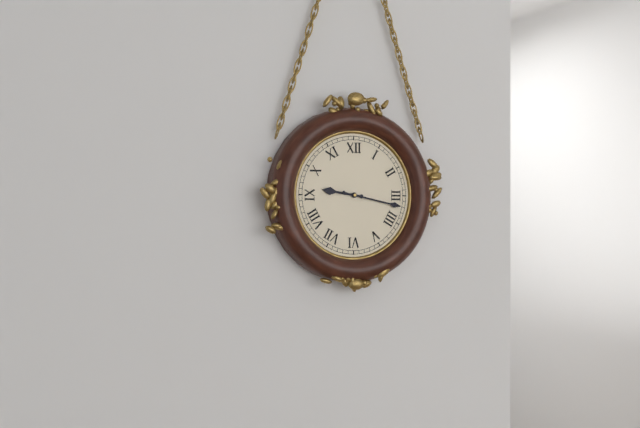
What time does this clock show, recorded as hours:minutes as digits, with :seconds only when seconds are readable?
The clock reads 9:17
